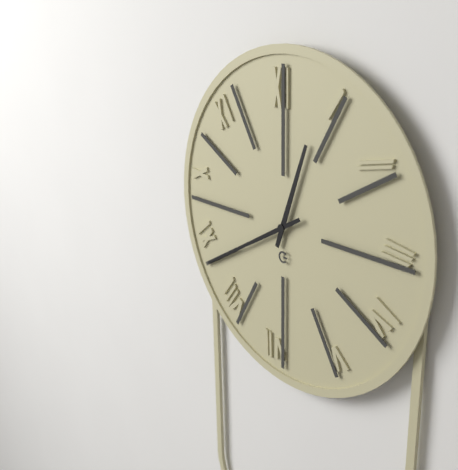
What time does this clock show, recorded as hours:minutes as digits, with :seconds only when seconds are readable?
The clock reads 12:40
